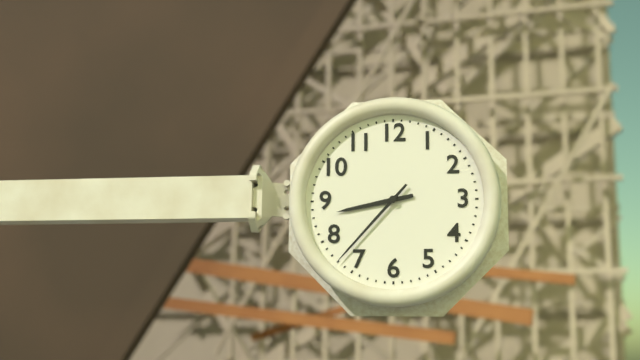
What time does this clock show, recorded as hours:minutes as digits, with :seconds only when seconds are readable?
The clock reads 8:37
